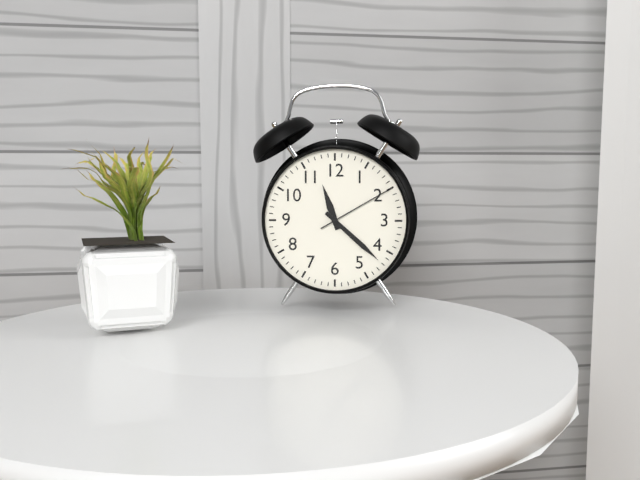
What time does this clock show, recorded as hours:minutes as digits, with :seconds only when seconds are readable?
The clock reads 11:22:10
